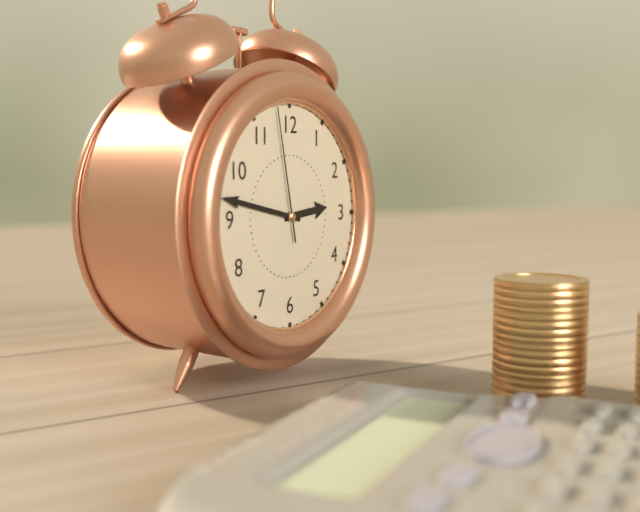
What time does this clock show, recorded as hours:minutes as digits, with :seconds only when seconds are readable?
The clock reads 2:47:58
